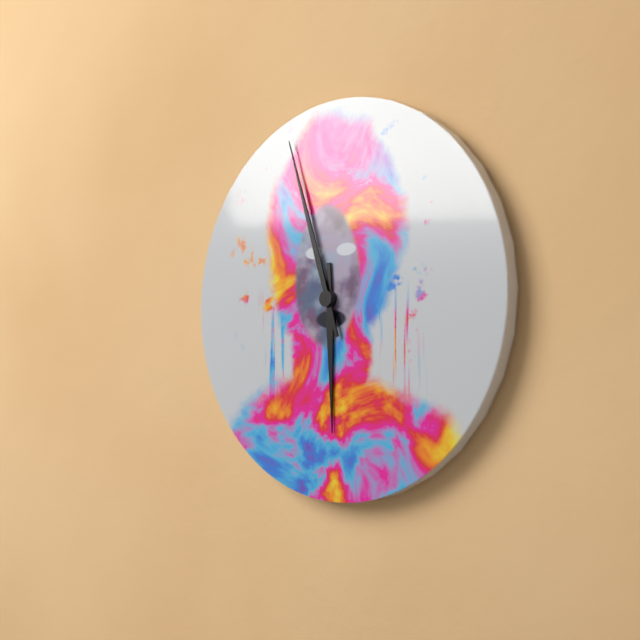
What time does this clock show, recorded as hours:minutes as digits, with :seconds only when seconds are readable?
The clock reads 5:57
